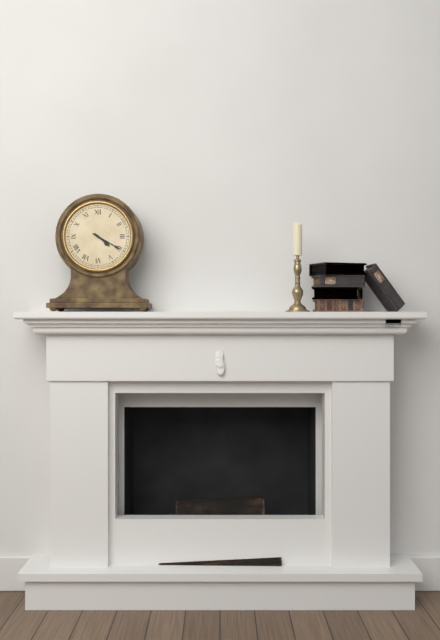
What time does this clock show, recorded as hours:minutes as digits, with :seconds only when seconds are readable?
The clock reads 4:20
